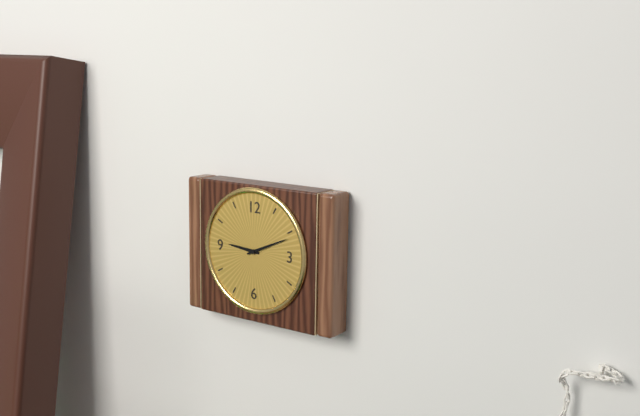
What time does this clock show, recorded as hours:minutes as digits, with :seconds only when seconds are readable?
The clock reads 9:11
